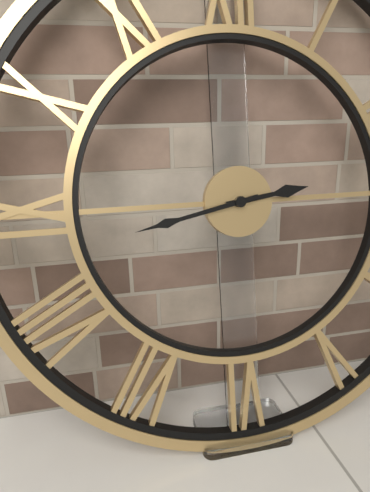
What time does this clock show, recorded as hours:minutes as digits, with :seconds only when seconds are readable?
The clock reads 2:43
